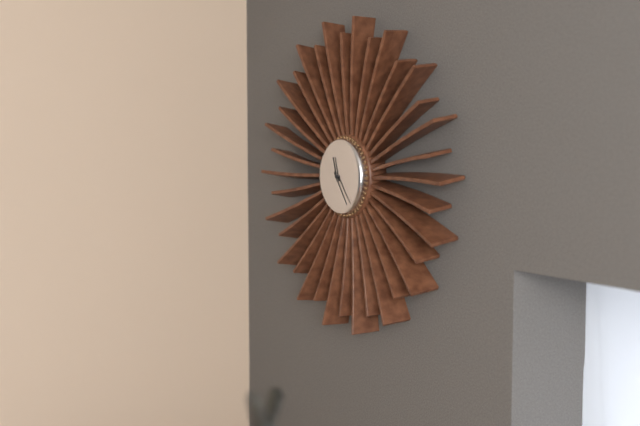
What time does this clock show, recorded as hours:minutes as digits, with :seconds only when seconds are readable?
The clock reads 11:24
